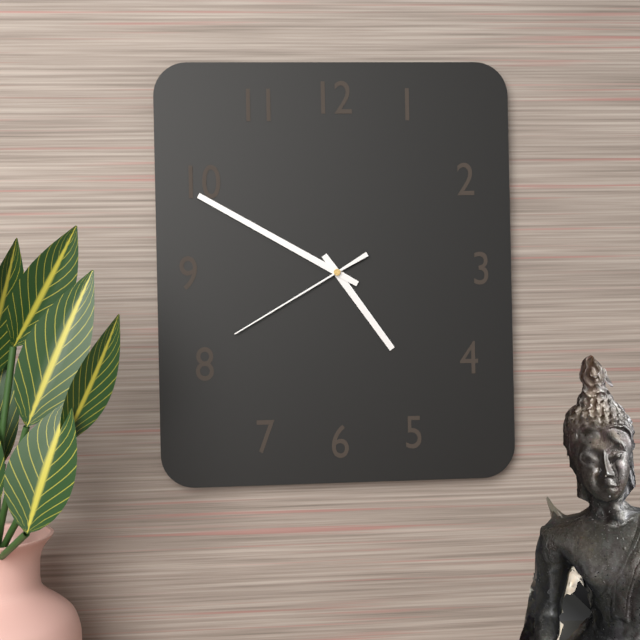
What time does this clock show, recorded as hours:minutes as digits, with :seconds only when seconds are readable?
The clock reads 4:50:40
